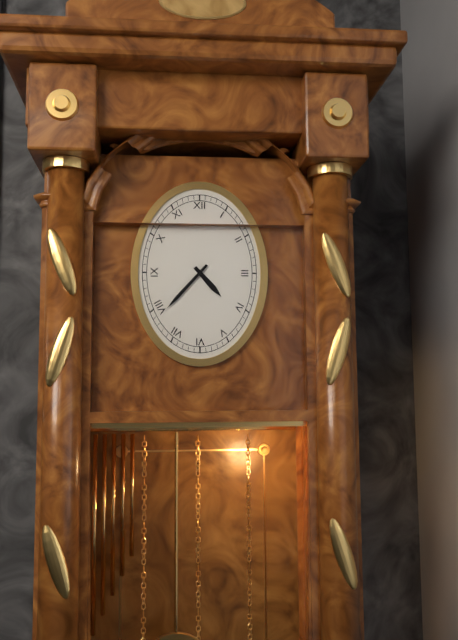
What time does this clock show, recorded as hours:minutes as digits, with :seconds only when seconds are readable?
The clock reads 4:37
